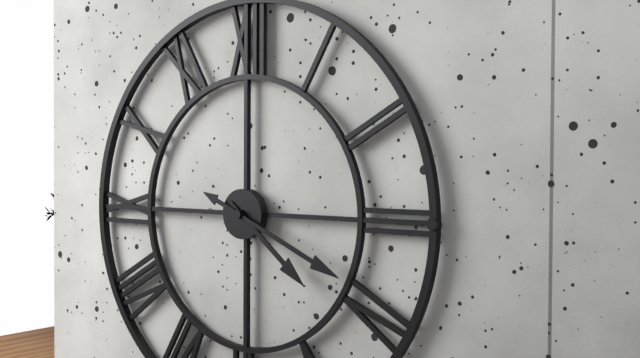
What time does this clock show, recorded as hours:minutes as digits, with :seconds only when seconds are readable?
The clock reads 4:19
